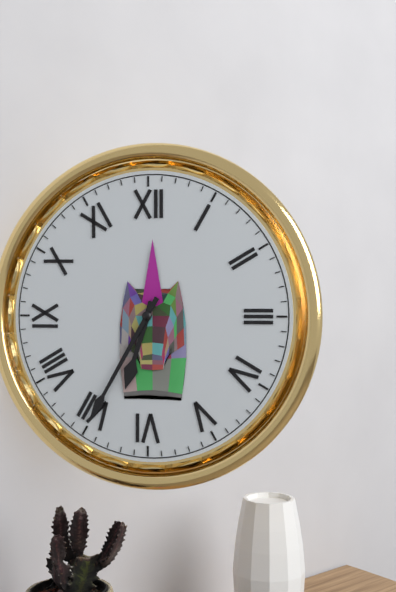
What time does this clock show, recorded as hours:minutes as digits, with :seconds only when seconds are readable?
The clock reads 6:35
